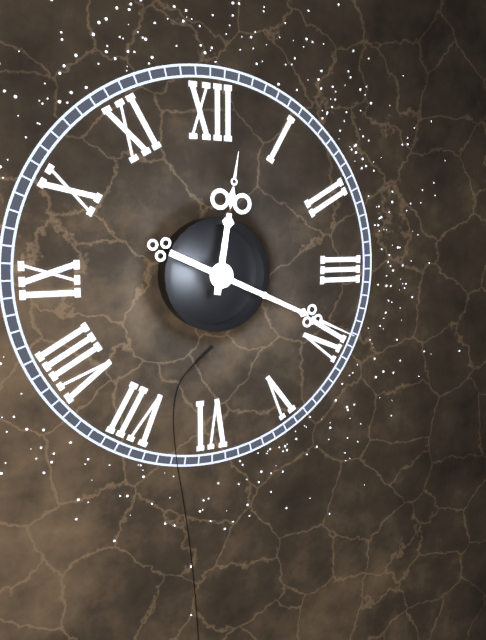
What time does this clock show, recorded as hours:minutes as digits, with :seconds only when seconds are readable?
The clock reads 12:19
